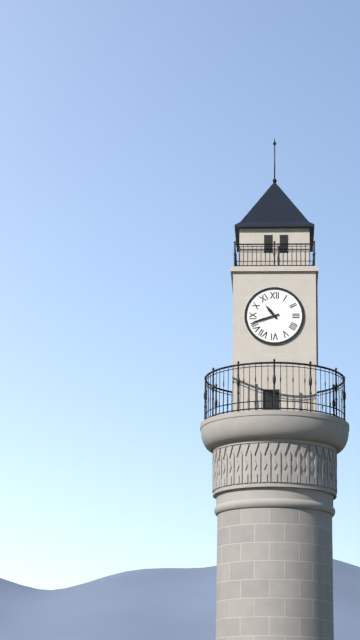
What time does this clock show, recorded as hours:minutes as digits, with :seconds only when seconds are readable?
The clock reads 10:42
